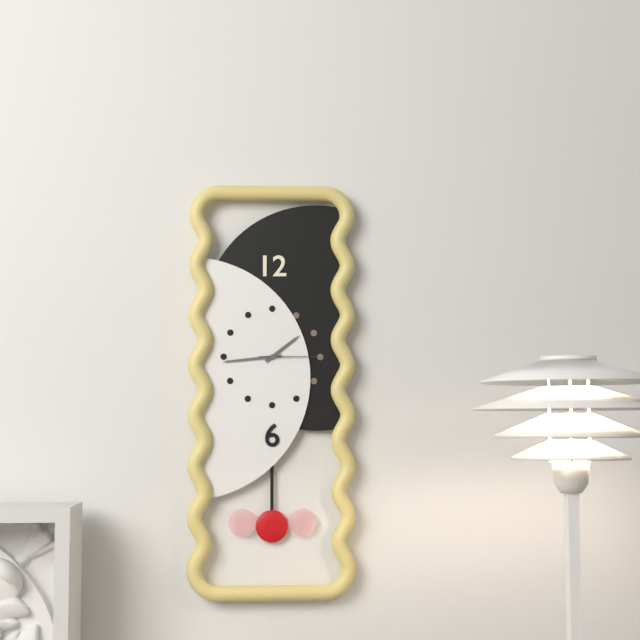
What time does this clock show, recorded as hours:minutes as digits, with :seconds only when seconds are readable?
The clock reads 1:44:15
